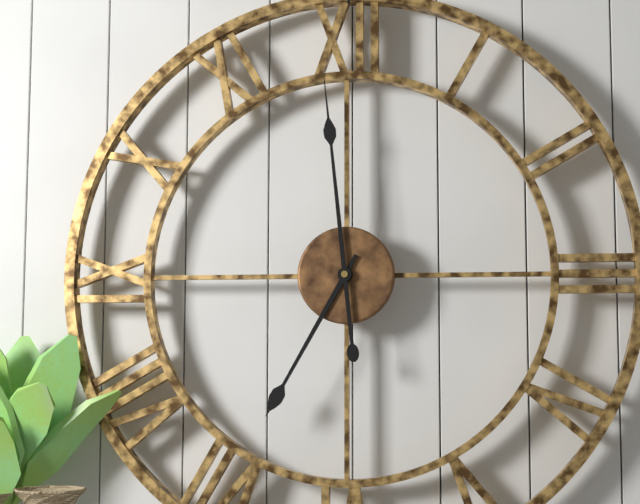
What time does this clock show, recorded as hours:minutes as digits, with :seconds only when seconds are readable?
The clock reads 6:59
